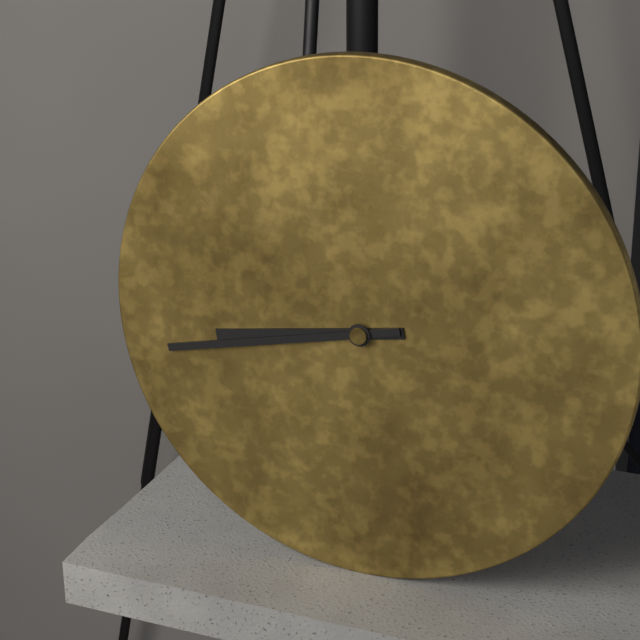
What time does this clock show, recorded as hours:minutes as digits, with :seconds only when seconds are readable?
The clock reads 8:43
